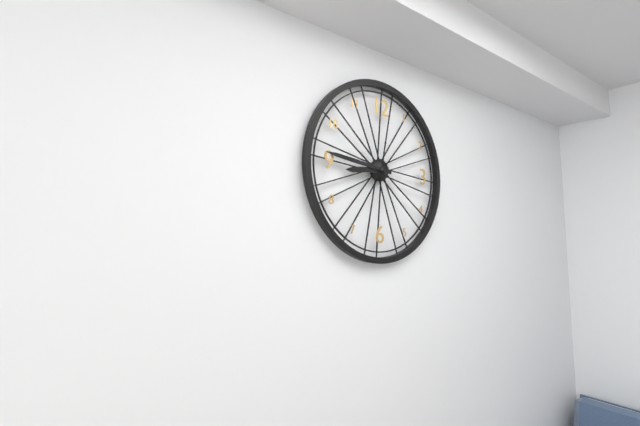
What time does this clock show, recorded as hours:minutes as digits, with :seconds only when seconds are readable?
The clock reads 8:46
